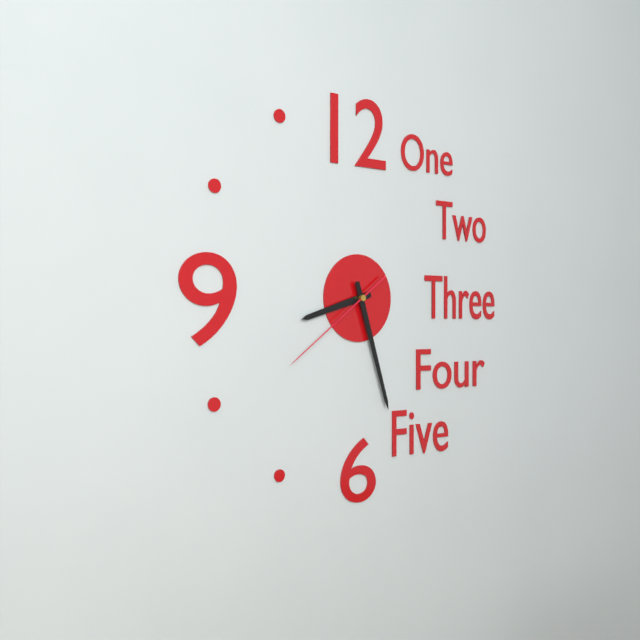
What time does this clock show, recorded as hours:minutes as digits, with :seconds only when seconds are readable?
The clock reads 8:27:39
